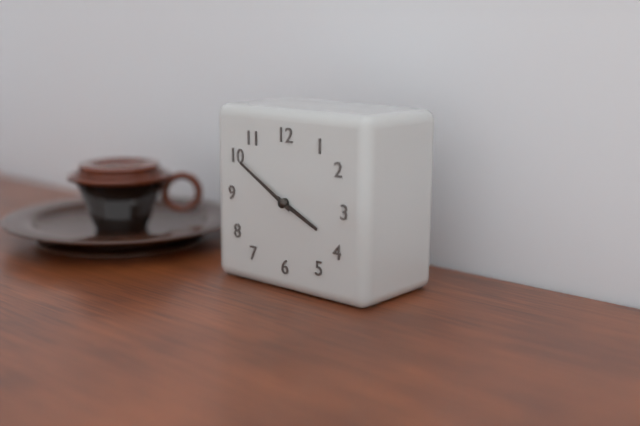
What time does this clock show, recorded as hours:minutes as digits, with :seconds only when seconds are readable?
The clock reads 3:50
